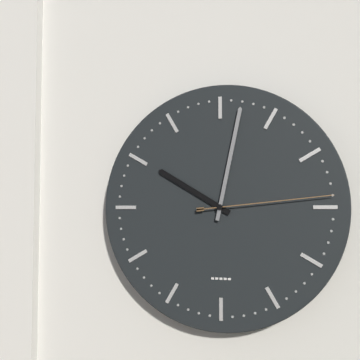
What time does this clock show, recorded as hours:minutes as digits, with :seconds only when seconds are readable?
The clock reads 10:02:14
